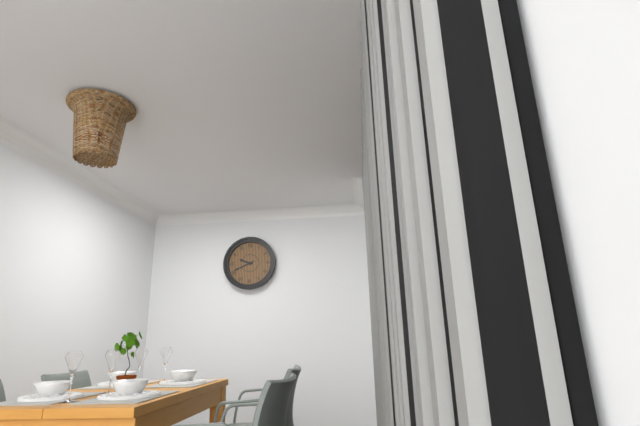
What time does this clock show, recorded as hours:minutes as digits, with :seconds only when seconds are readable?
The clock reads 9:41
